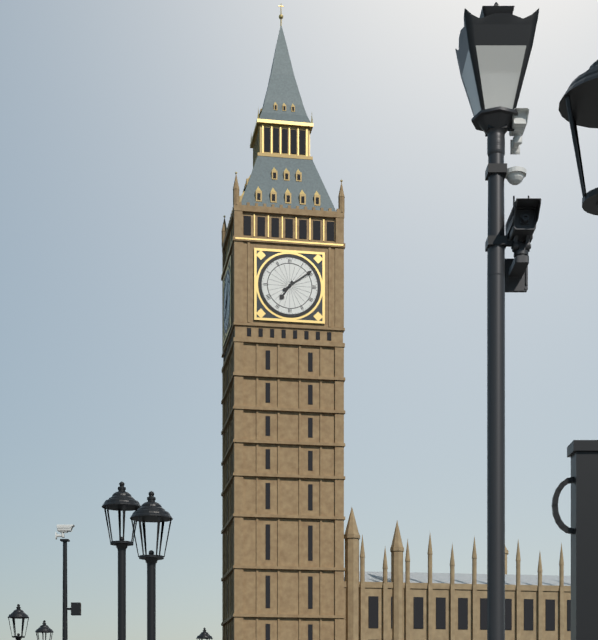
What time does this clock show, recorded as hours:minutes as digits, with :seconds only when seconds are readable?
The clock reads 7:09
